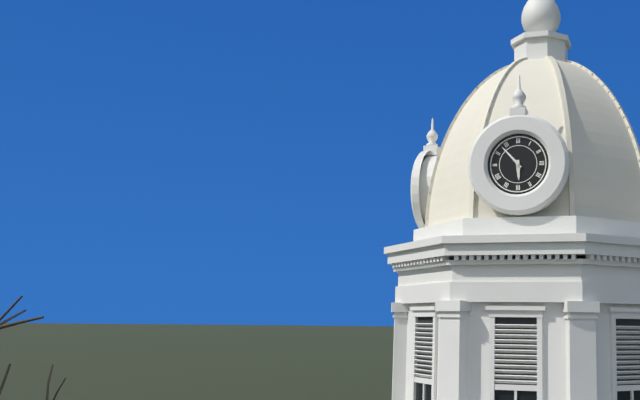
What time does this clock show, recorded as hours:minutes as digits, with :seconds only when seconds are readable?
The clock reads 5:53
